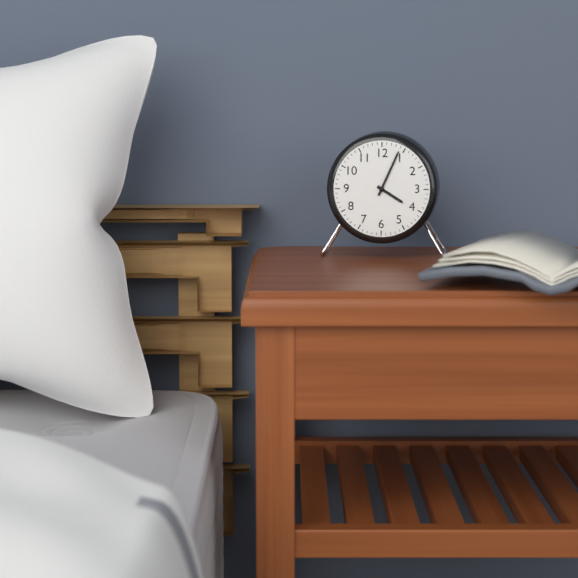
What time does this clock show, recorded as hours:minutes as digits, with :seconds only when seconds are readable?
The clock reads 4:04
